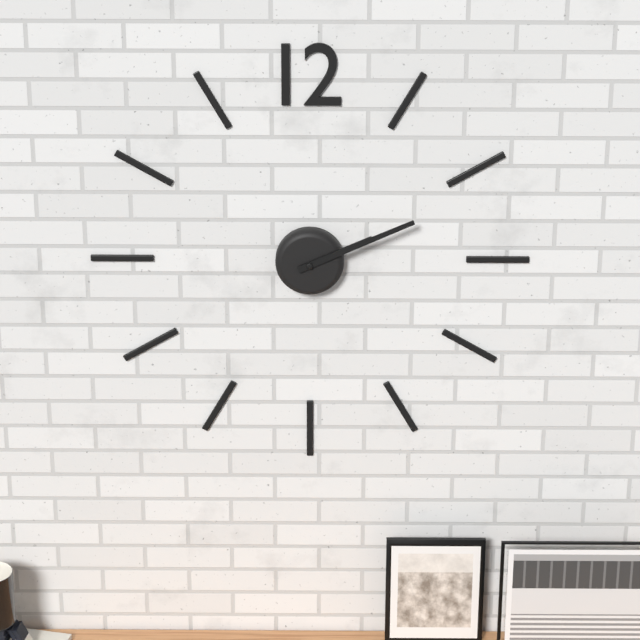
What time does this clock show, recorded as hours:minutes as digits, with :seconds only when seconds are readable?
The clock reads 2:11
